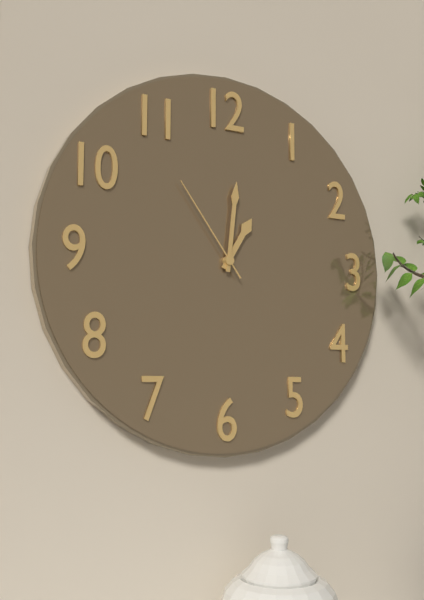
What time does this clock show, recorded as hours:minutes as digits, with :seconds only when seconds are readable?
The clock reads 1:01:54
